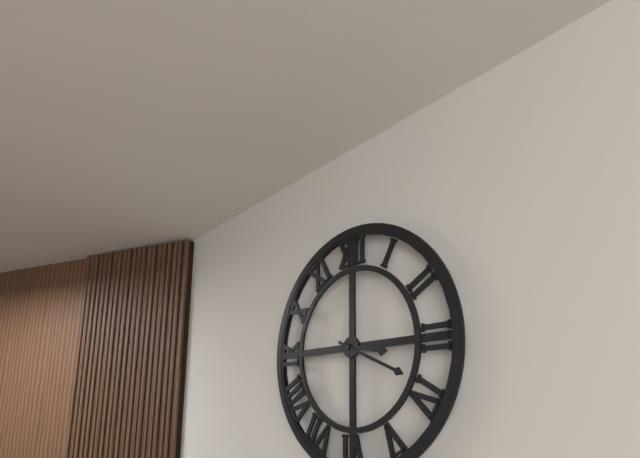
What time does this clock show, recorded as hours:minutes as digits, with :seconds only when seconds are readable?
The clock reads 3:19
